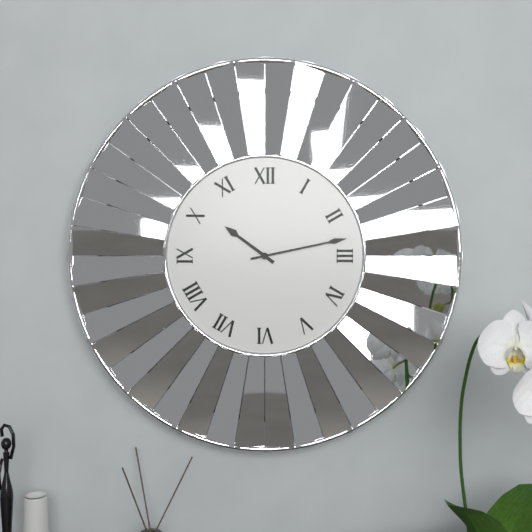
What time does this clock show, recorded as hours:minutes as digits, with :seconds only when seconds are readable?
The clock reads 10:13
